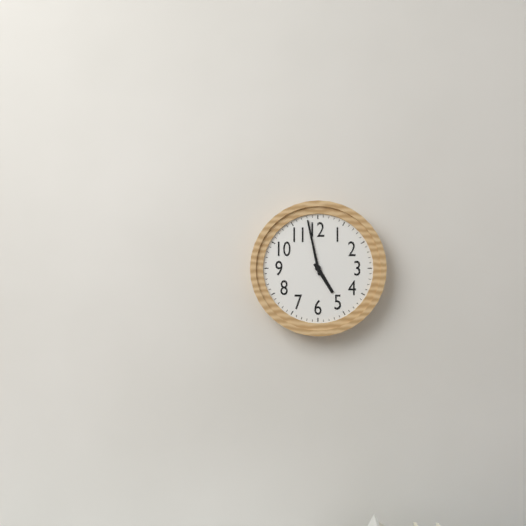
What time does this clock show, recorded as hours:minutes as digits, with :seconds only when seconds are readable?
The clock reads 4:58
